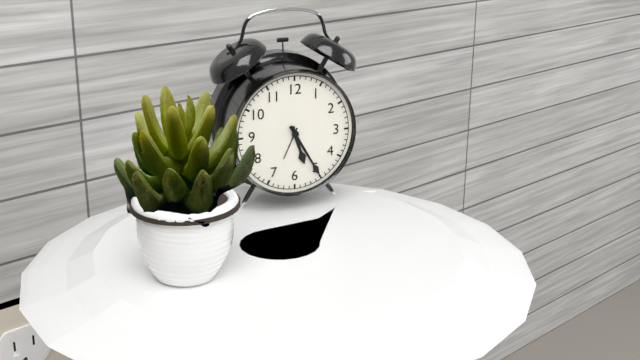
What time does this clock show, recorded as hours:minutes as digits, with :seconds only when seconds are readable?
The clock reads 5:25
